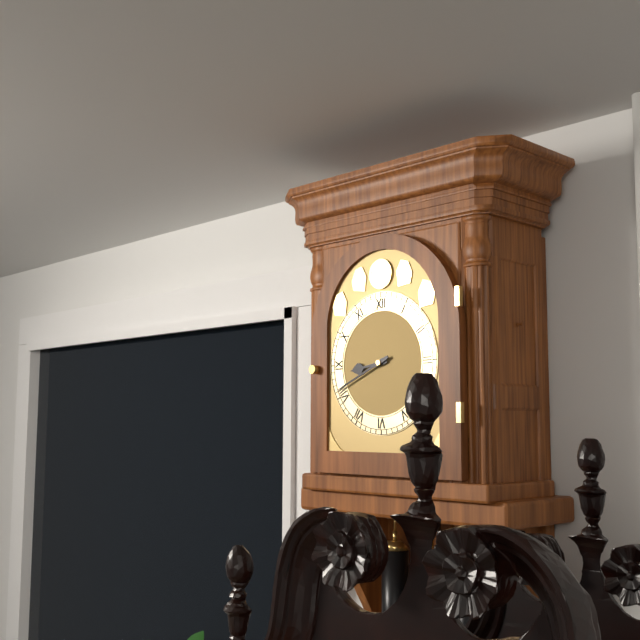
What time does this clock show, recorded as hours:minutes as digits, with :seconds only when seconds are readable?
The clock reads 8:41
